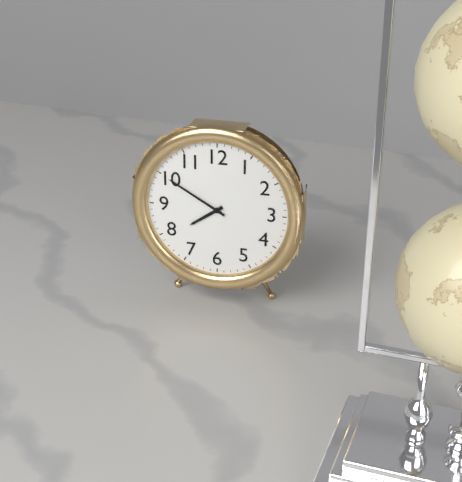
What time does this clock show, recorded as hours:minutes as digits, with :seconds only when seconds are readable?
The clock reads 7:50
